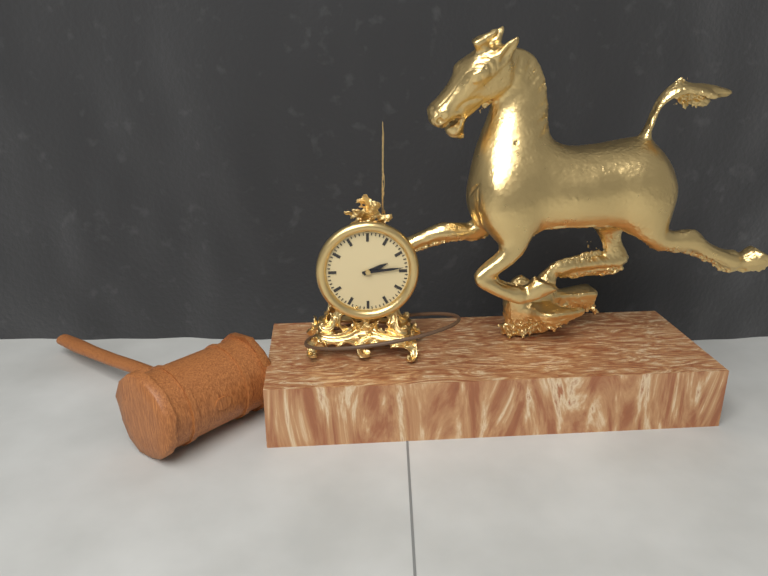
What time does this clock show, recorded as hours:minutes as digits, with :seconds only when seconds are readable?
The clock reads 2:14
